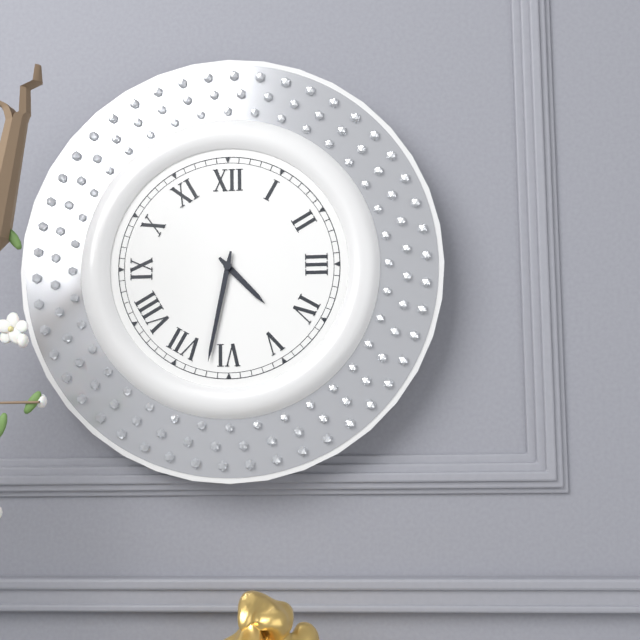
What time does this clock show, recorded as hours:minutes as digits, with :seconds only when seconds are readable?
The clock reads 4:32
